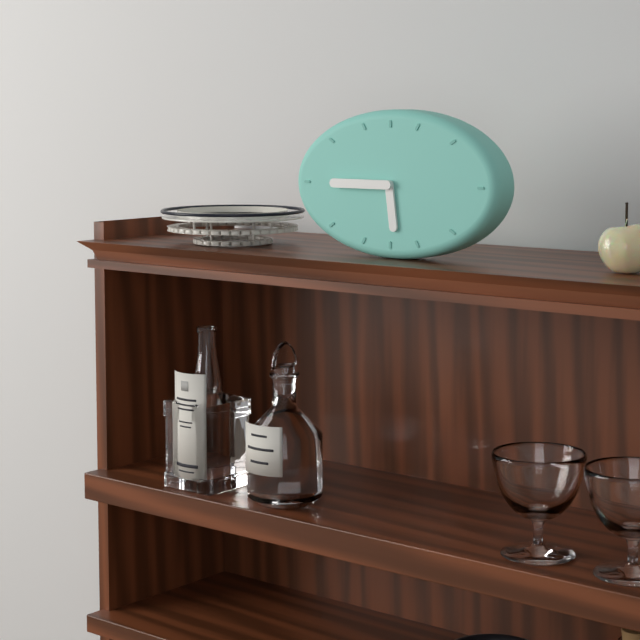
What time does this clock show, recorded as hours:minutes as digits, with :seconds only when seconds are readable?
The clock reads 5:45
